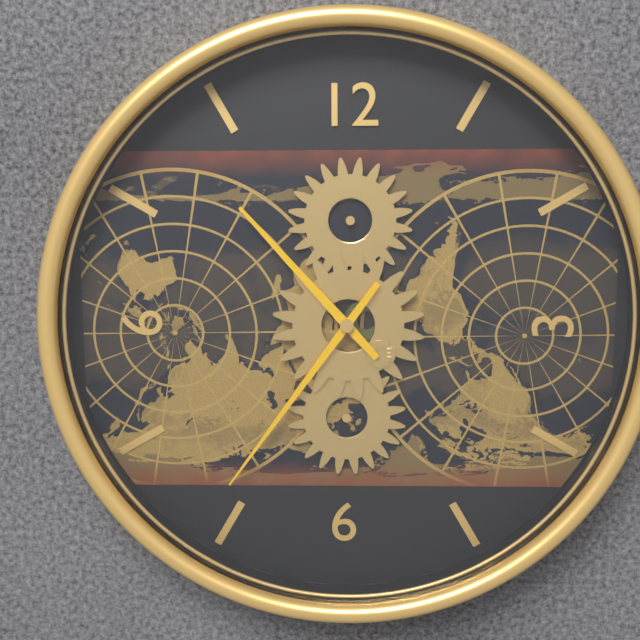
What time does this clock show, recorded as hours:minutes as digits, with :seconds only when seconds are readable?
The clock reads 10:36
